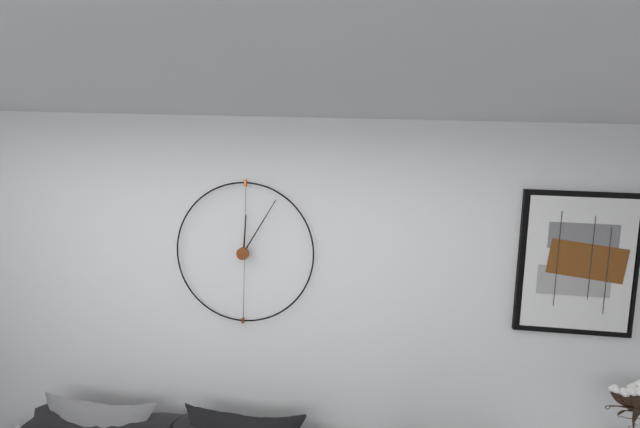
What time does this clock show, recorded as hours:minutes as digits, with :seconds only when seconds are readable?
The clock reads 12:05
